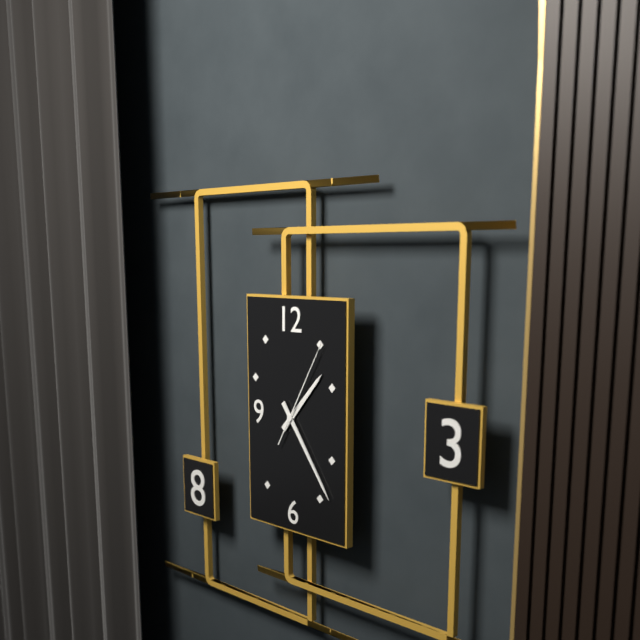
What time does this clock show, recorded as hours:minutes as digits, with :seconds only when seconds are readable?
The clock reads 1:24:05
